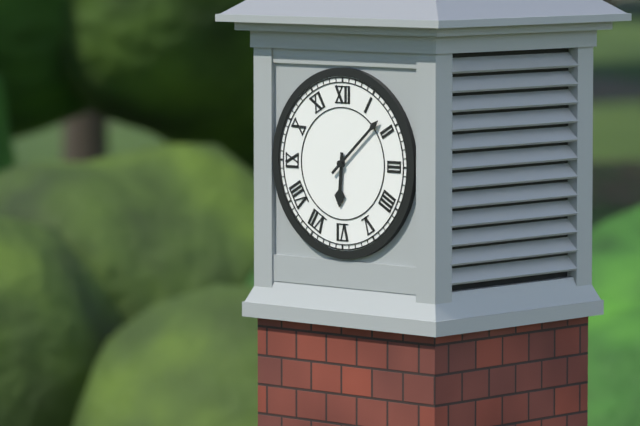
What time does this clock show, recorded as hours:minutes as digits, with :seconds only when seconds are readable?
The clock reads 6:08
